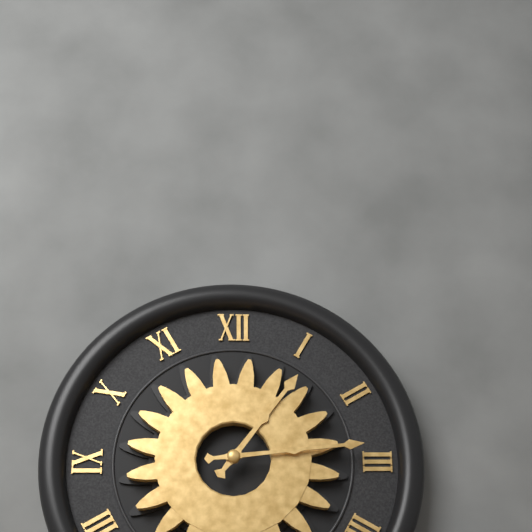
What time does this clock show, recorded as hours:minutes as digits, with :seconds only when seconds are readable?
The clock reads 1:14
